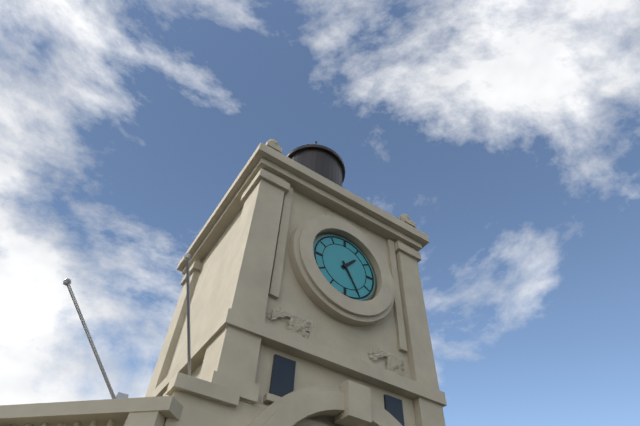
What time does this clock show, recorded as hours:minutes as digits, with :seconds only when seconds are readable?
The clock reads 1:25
